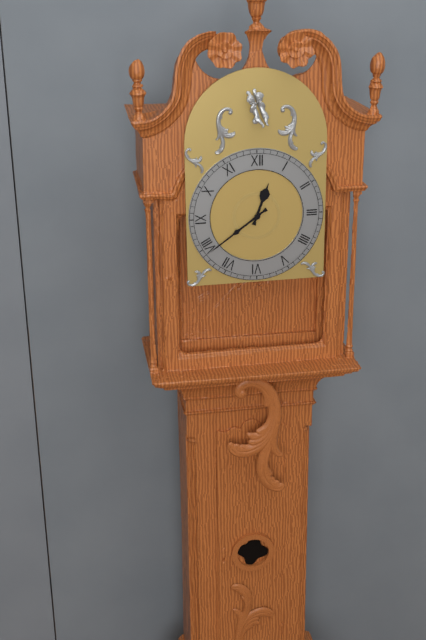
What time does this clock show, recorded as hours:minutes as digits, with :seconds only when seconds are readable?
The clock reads 12:39
